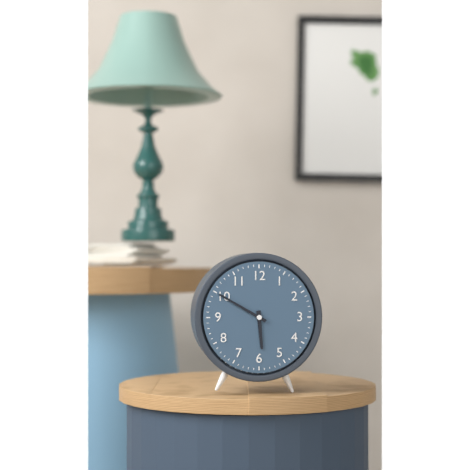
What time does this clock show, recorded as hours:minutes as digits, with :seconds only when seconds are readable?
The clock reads 5:50
